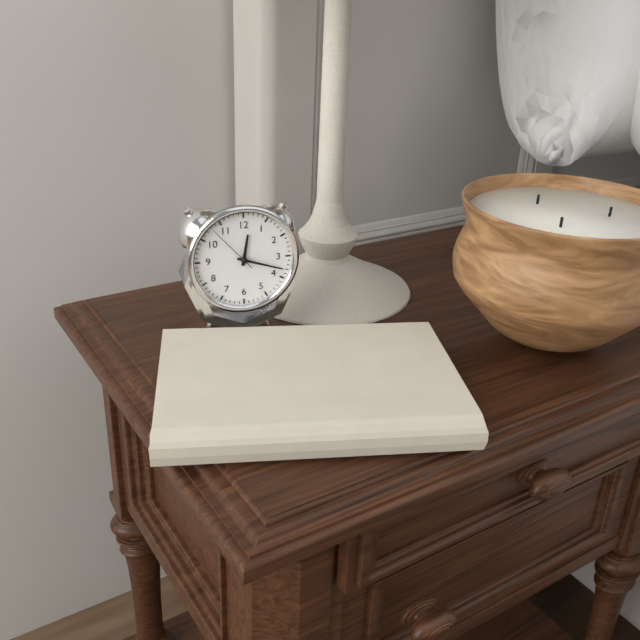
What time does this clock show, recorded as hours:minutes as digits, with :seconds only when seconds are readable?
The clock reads 12:18:53
